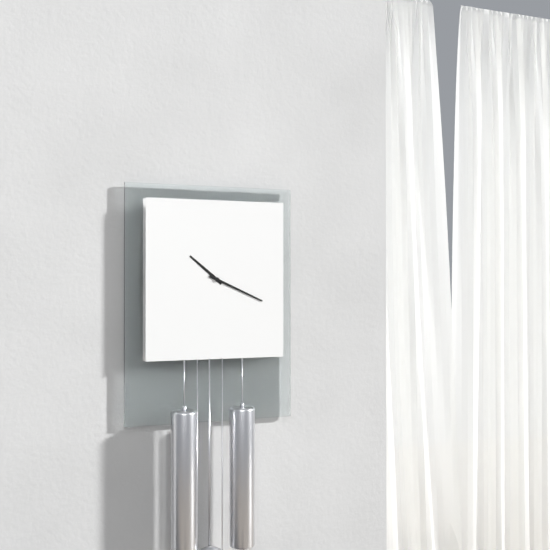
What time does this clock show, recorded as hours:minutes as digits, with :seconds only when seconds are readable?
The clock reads 10:19
